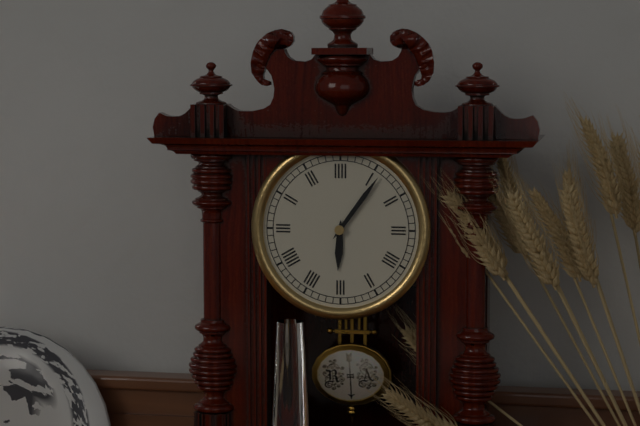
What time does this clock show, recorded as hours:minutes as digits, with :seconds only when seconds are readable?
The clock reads 6:06
